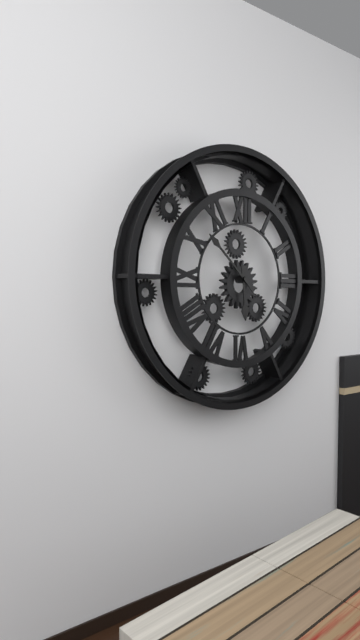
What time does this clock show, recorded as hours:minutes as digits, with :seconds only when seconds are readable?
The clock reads 5:52
